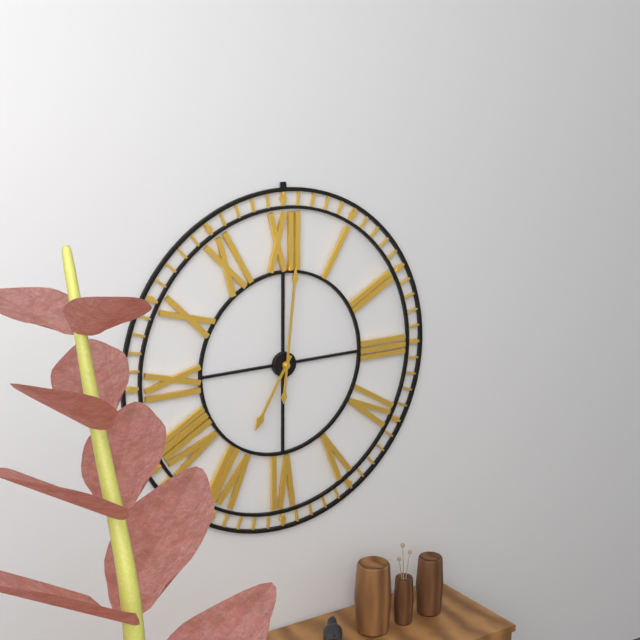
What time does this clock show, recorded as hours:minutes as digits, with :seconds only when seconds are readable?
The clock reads 7:01
